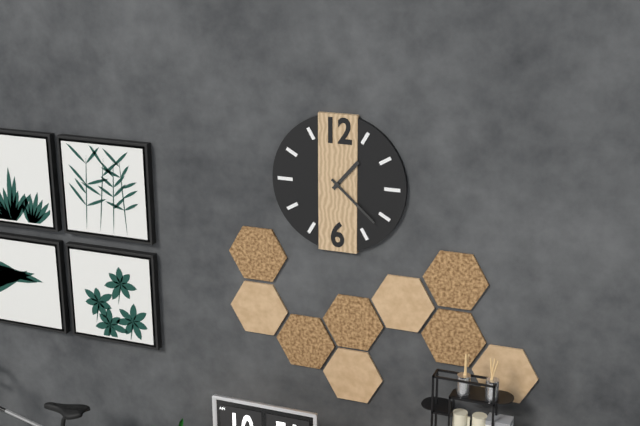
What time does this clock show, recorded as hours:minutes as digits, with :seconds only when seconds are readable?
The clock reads 1:22
